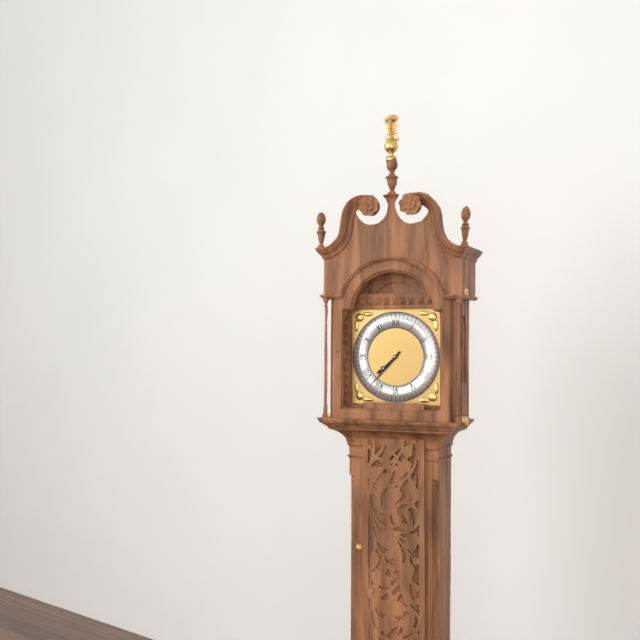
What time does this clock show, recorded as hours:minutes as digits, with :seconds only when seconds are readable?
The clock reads 7:37
